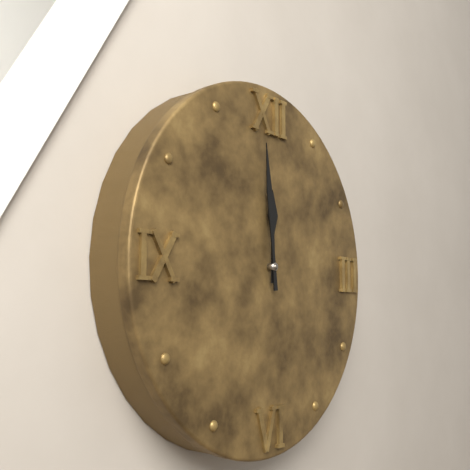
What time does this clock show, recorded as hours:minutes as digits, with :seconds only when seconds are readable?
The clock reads 11:59
